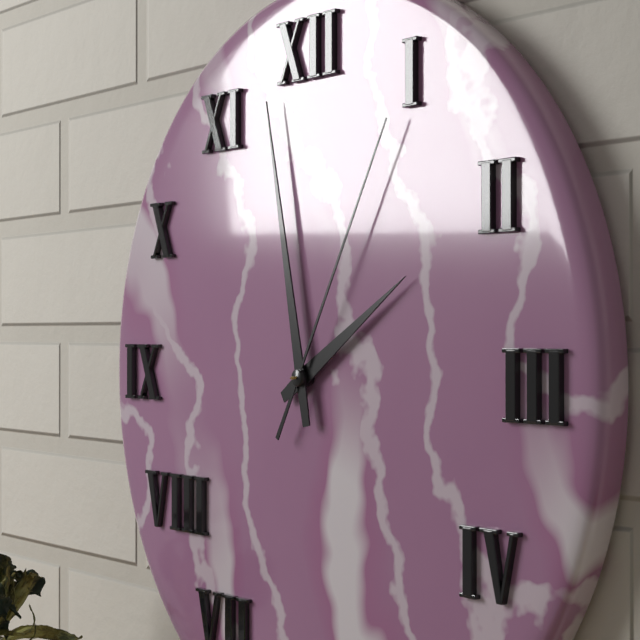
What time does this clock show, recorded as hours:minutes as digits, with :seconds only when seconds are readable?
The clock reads 1:58:05
